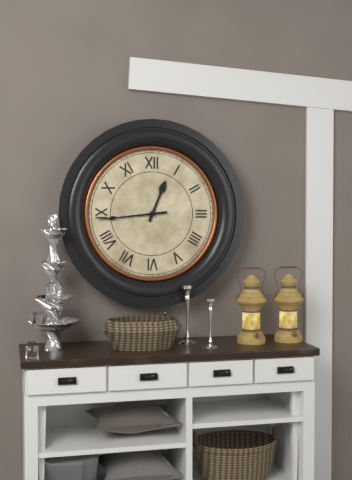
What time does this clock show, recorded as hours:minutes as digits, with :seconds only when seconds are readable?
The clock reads 12:44
